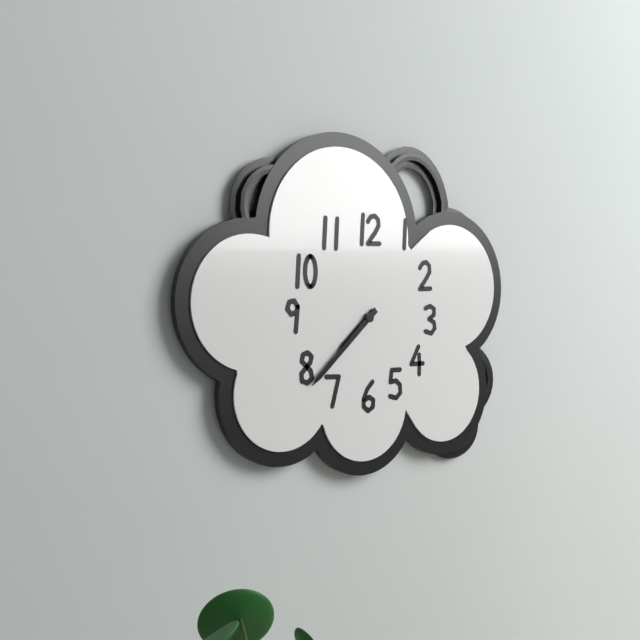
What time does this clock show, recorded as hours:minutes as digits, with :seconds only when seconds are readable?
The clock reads 7:38
